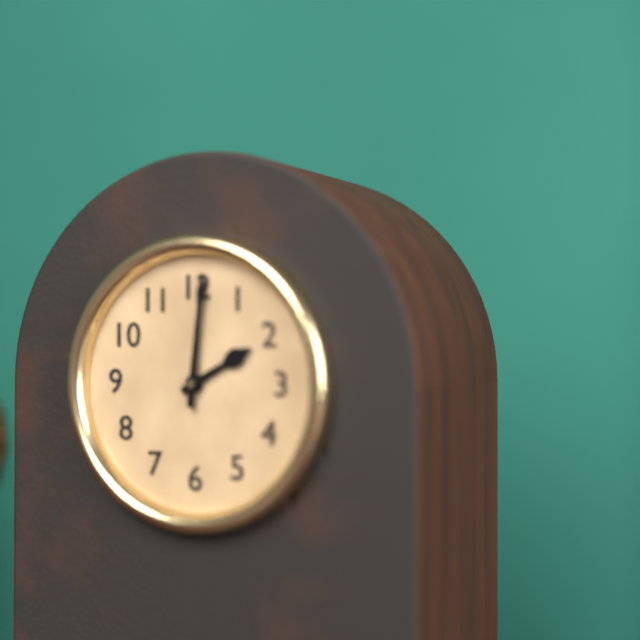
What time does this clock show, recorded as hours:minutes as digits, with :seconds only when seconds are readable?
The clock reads 2:01
